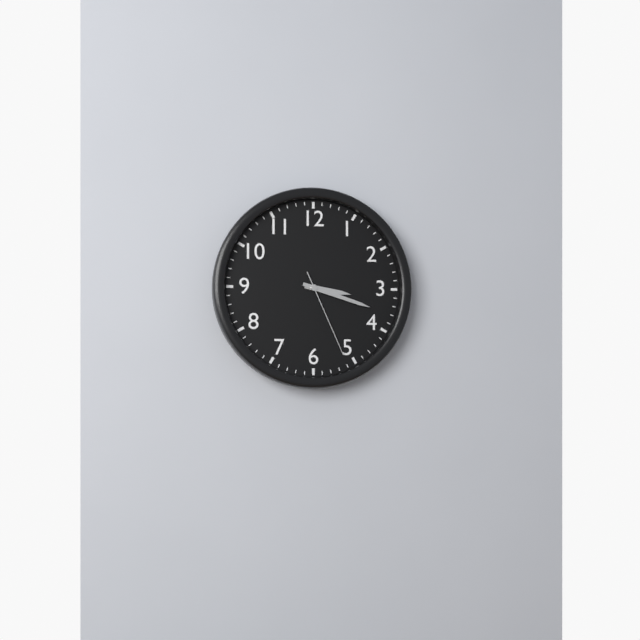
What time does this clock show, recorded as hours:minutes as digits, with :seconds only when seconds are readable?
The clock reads 3:18:26
